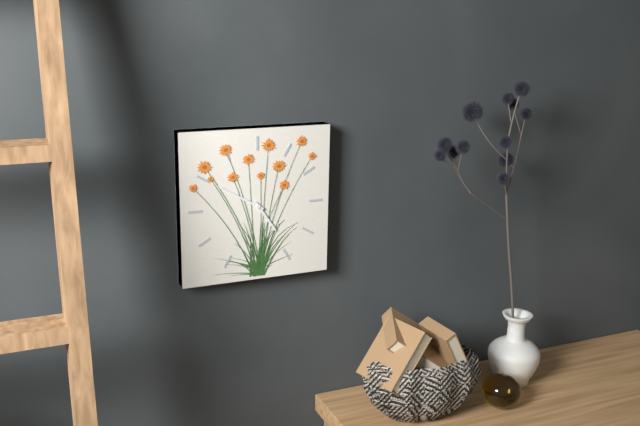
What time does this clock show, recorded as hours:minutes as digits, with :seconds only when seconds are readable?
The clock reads 4:50
